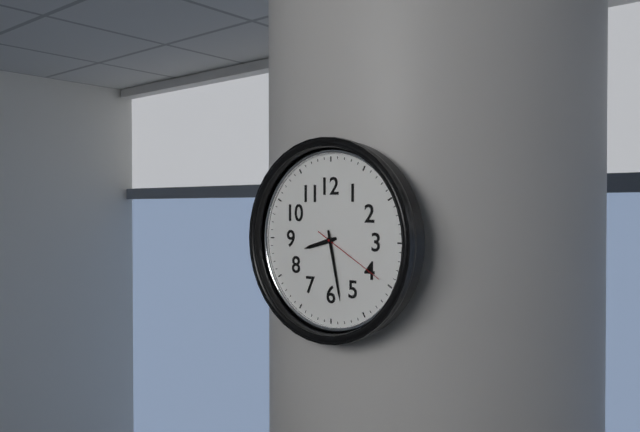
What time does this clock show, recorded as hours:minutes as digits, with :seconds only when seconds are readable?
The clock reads 8:28:20
